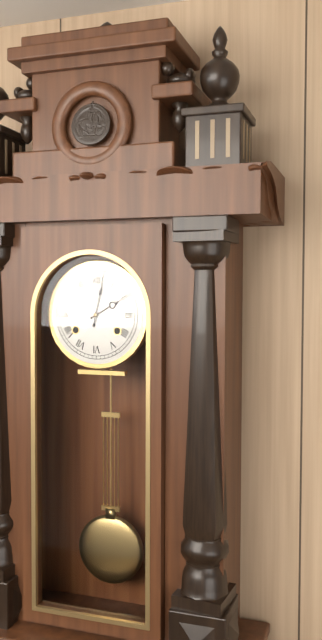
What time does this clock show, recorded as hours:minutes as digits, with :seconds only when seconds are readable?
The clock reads 2:02
